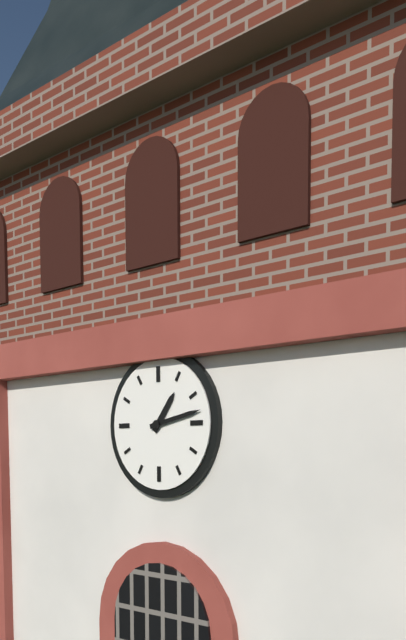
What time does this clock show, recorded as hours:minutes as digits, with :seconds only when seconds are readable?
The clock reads 1:13
